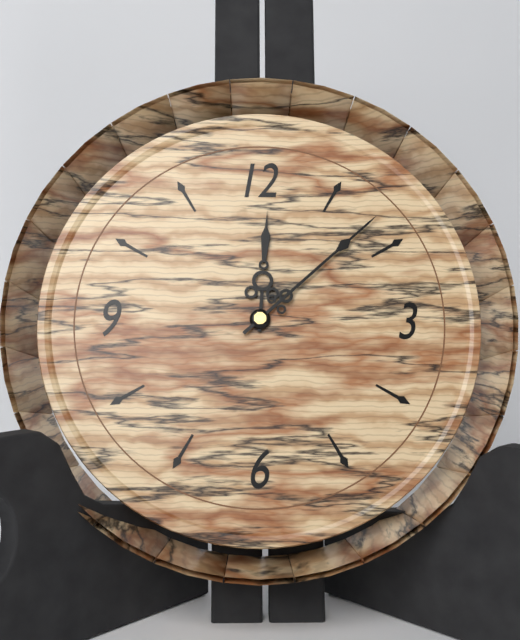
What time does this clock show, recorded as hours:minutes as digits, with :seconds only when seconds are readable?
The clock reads 12:08
